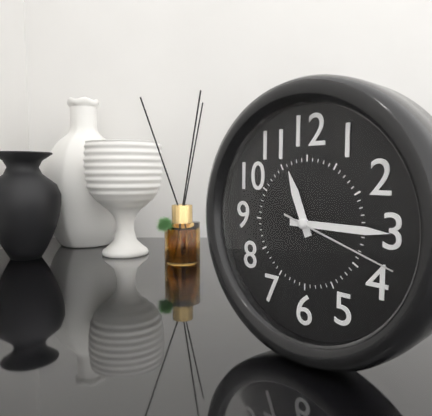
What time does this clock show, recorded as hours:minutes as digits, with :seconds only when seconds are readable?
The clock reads 11:15:18
